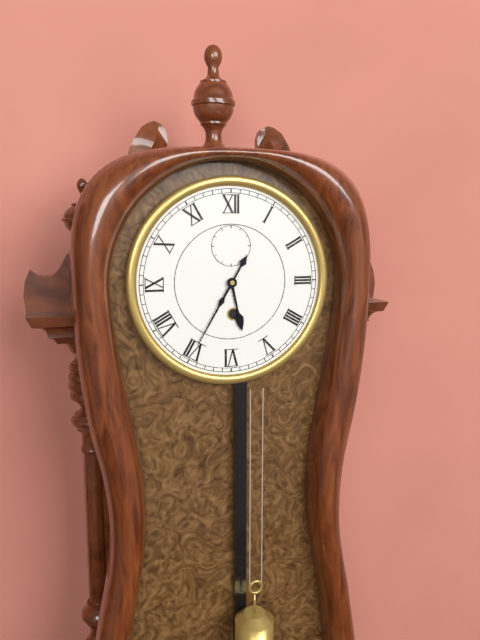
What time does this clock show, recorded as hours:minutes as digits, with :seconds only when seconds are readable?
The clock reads 5:35
